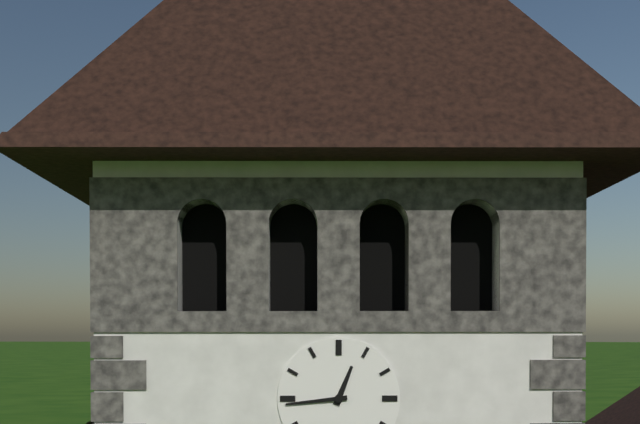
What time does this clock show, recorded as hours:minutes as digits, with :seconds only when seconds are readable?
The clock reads 12:44
